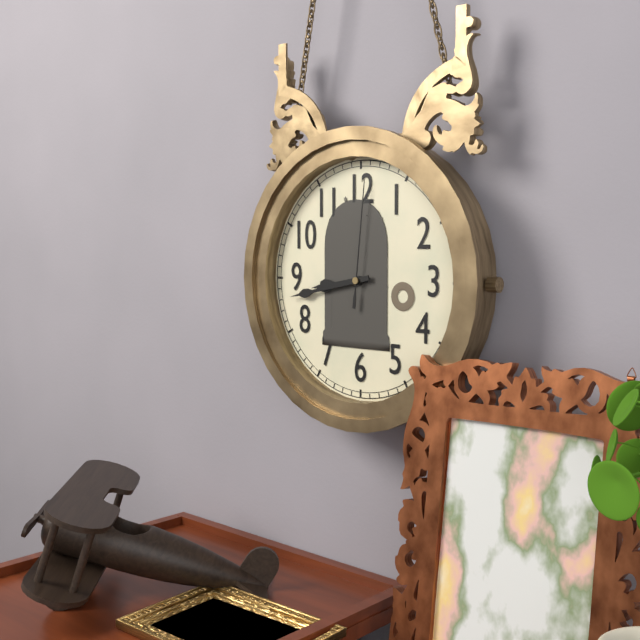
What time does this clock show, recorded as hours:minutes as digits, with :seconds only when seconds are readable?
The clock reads 8:43:01
